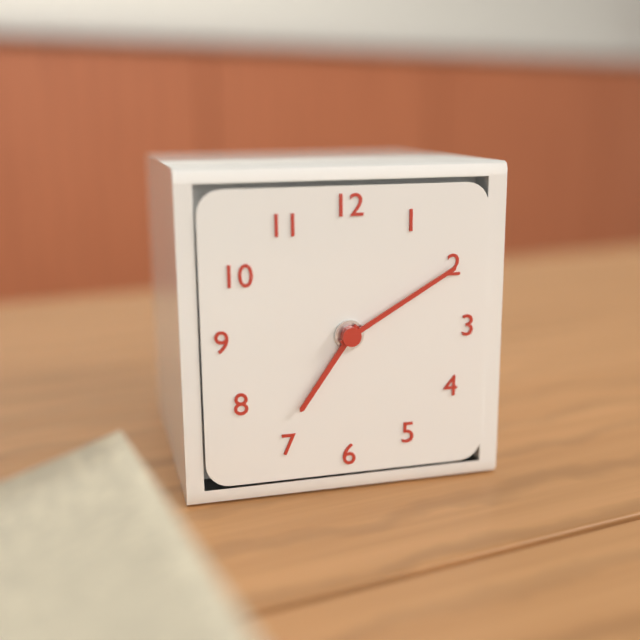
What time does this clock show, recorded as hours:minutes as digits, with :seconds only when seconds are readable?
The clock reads 7:10
